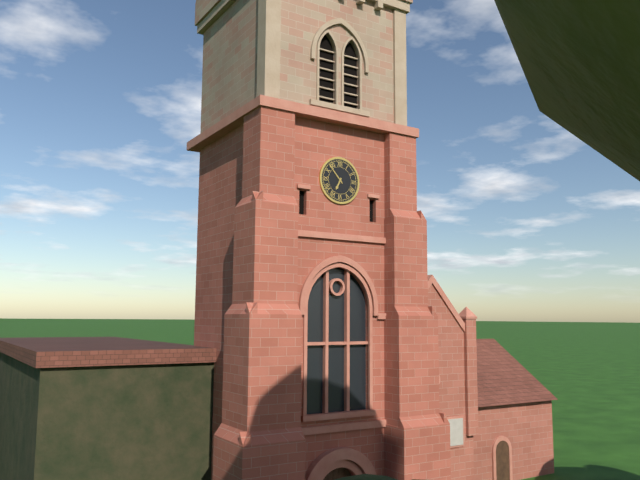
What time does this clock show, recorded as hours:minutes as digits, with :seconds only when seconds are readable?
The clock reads 6:53
